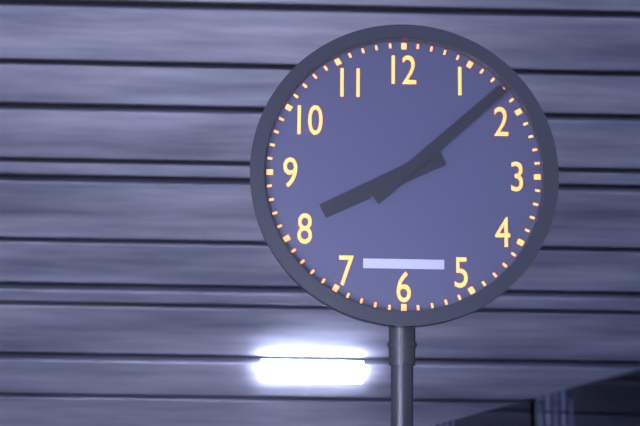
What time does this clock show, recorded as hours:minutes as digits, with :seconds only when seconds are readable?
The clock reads 8:08
